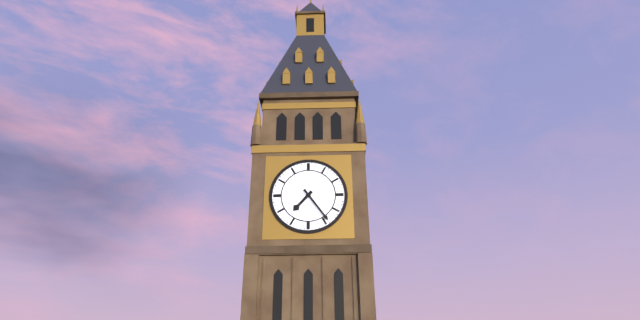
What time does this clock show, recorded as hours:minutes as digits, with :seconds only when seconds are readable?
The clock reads 7:24
